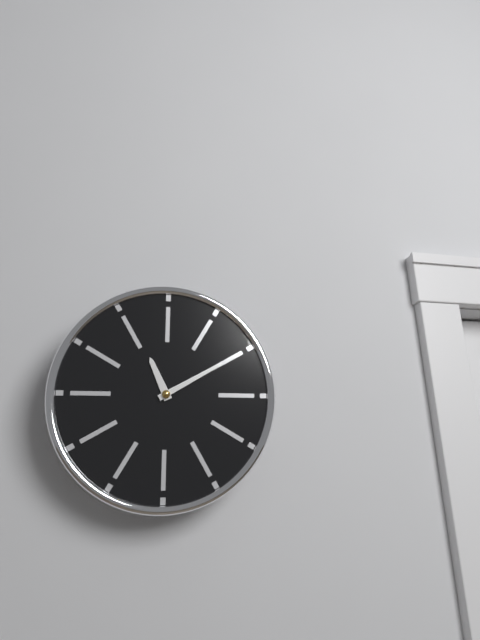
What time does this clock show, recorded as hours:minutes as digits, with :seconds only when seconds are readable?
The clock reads 11:10
